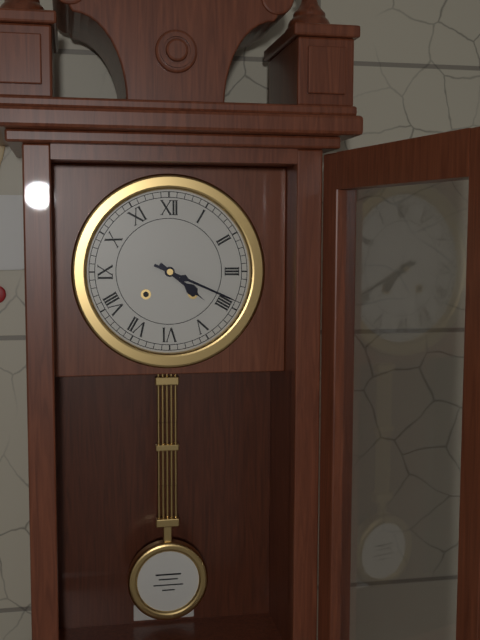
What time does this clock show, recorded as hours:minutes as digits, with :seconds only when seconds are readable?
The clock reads 4:19
